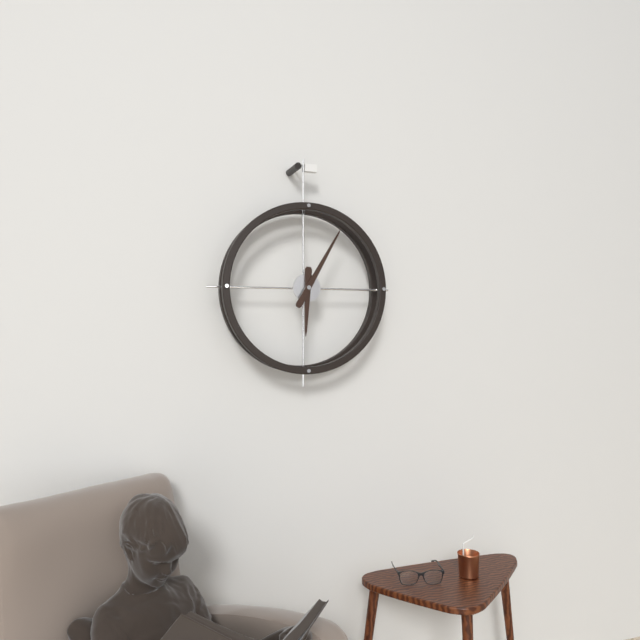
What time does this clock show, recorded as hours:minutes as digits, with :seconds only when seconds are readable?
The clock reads 6:05
